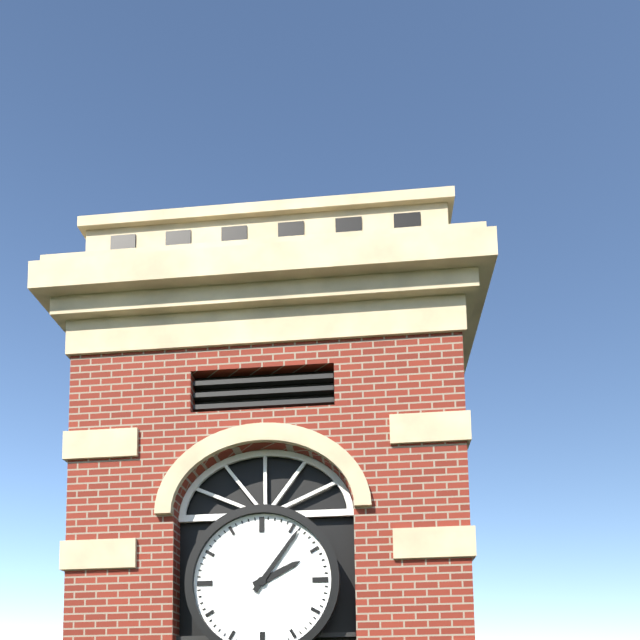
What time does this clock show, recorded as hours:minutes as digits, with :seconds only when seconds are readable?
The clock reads 2:06
